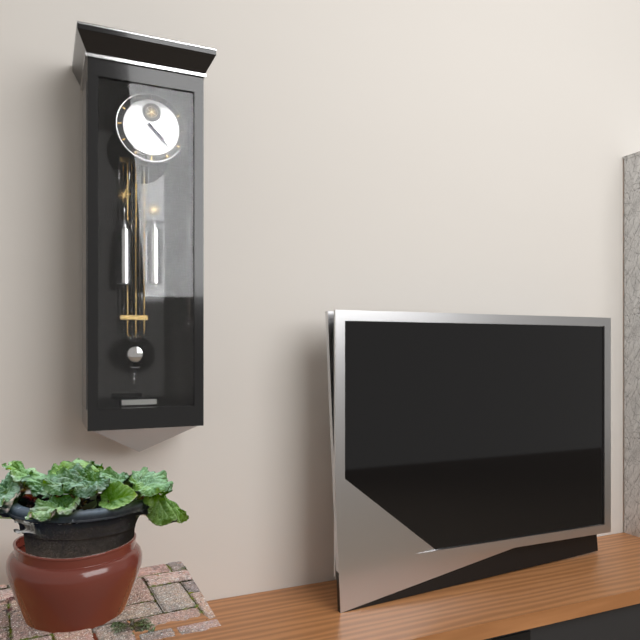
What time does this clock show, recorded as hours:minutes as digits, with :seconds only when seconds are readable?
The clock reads 4:23
